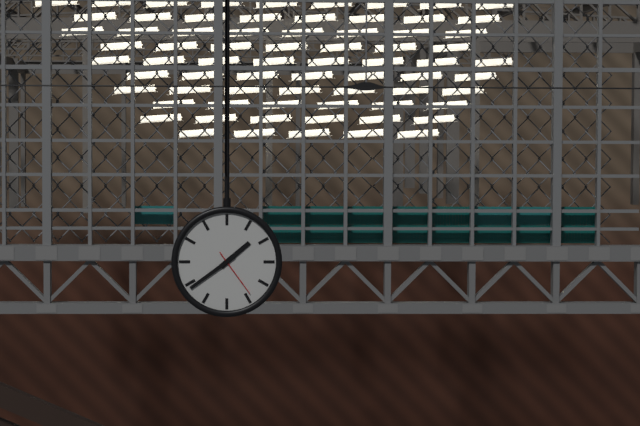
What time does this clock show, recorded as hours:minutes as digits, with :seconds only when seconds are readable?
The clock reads 1:39
